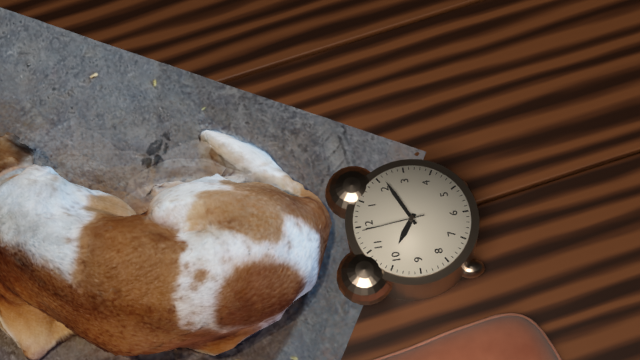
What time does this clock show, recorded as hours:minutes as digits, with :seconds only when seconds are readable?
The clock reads 10:11:59
